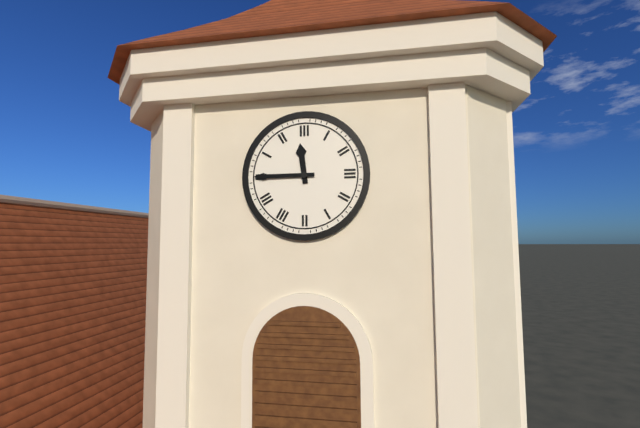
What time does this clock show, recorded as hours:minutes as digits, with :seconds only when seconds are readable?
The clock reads 11:45
